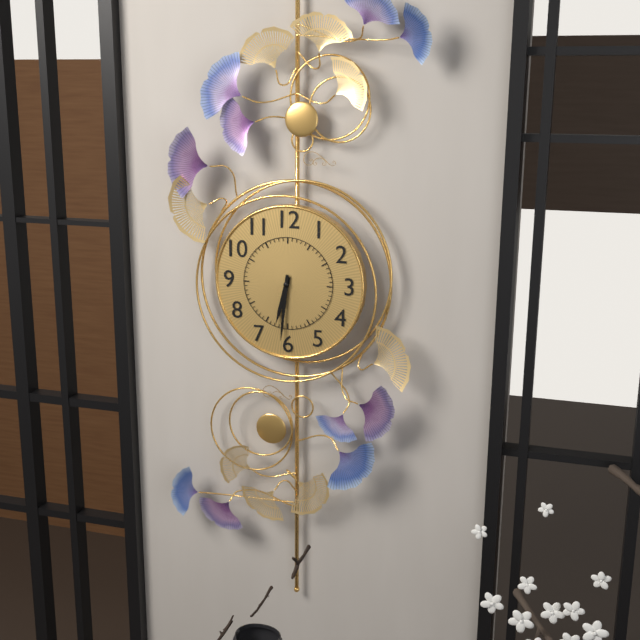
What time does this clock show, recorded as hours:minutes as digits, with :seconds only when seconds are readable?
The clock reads 6:31
